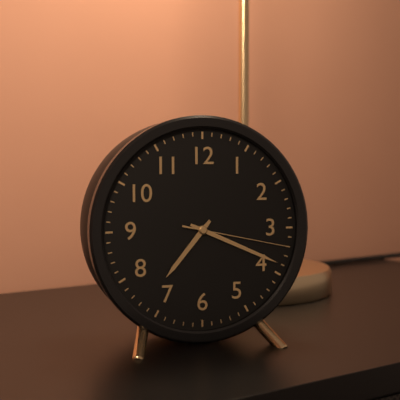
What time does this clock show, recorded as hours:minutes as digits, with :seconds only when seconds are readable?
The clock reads 7:19:17
